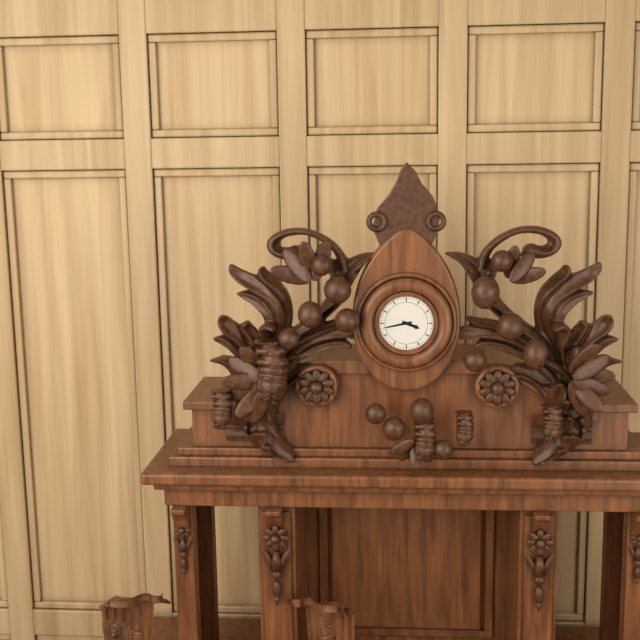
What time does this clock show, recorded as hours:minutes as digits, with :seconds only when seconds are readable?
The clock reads 3:43
